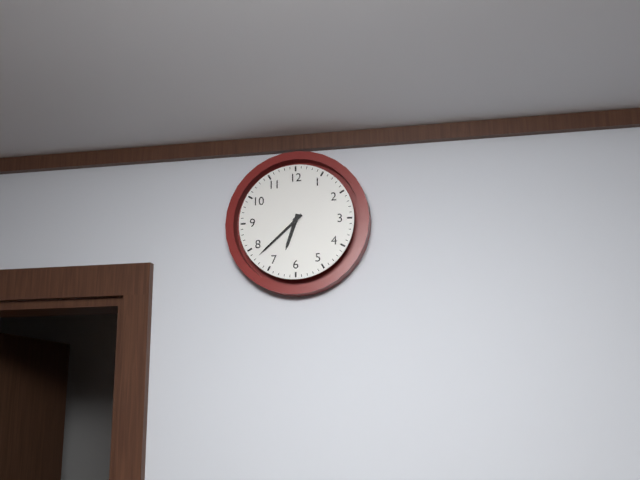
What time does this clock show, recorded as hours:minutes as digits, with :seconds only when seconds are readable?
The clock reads 6:38
